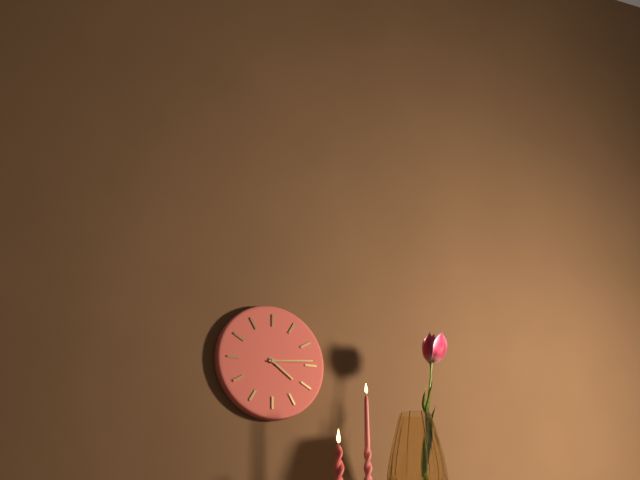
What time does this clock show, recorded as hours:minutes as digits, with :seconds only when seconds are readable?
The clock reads 4:14
